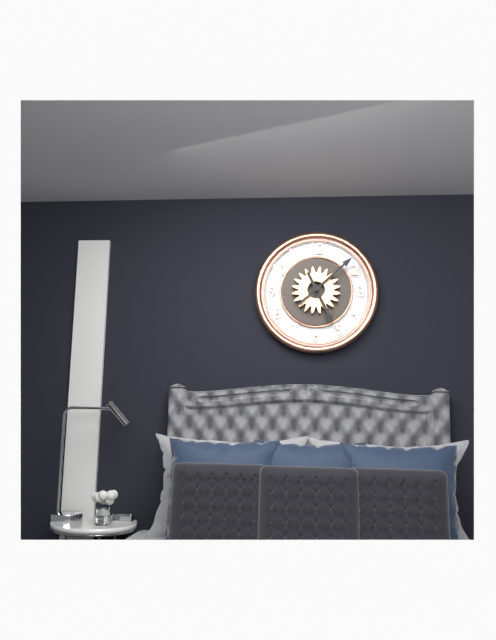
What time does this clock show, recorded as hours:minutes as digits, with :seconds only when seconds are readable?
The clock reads 5:08
